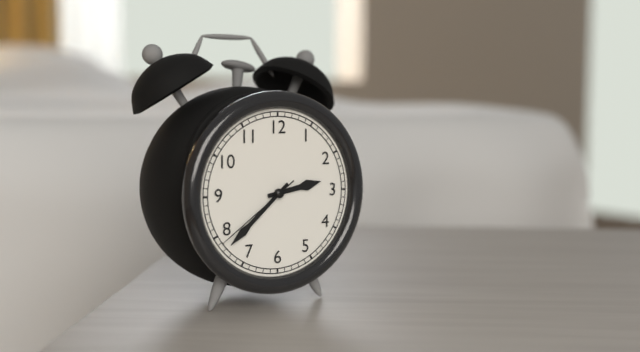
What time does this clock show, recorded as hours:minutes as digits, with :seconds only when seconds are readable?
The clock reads 2:38:39
